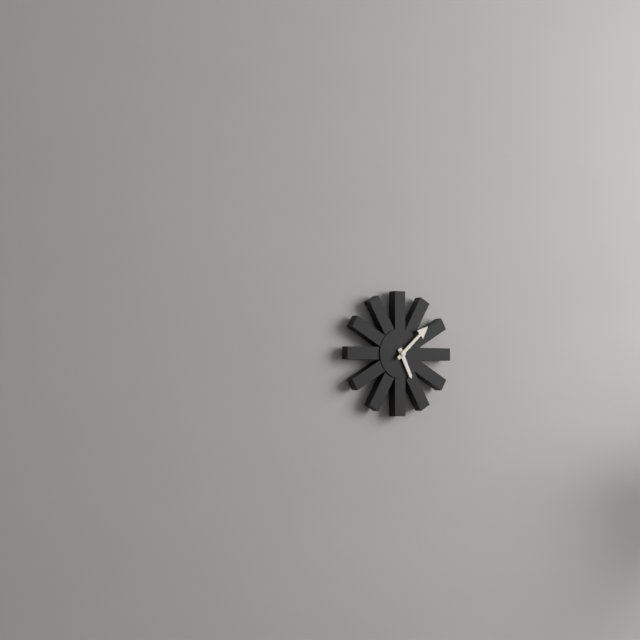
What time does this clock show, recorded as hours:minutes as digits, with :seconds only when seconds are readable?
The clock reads 5:08
